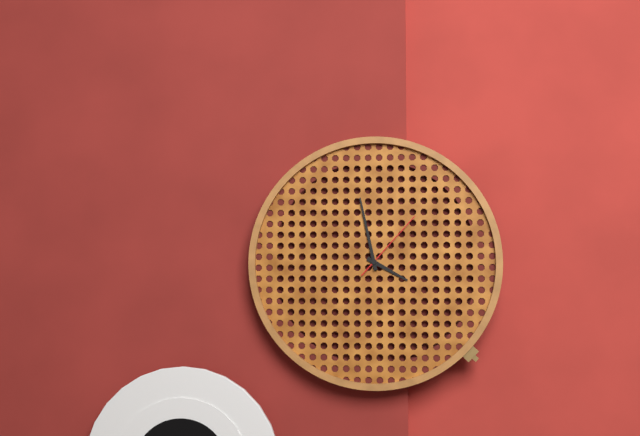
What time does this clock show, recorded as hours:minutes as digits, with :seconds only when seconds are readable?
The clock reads 3:58:07
